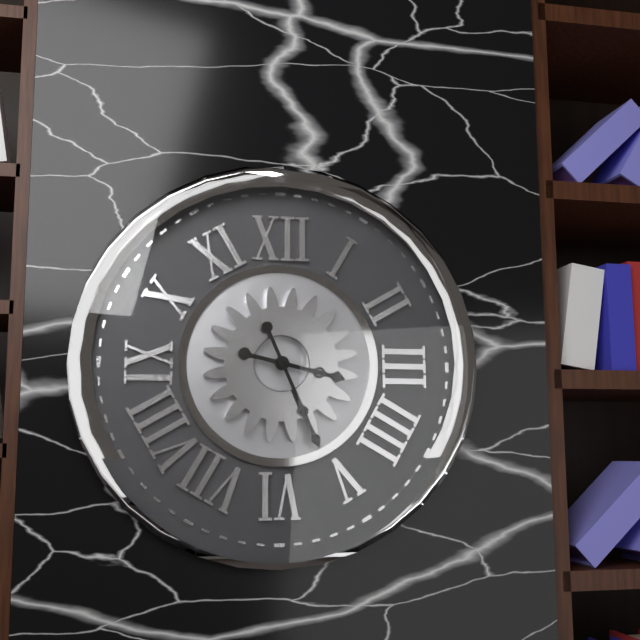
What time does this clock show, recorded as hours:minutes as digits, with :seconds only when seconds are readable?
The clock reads 3:26
